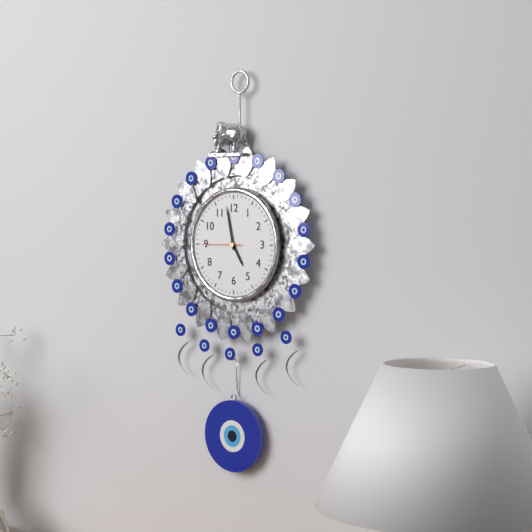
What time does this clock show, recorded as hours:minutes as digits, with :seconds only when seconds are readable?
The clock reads 4:58
